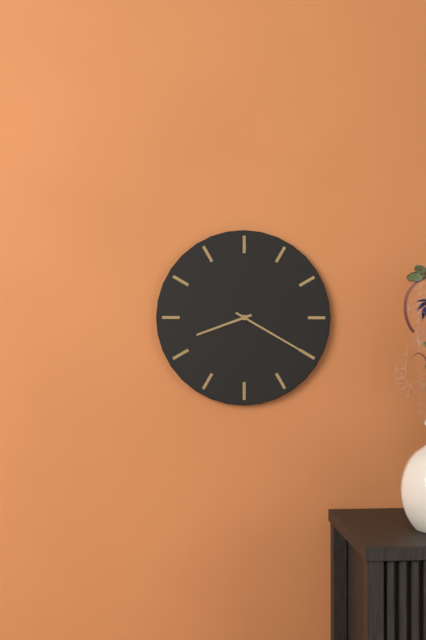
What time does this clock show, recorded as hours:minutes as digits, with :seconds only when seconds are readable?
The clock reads 8:20
